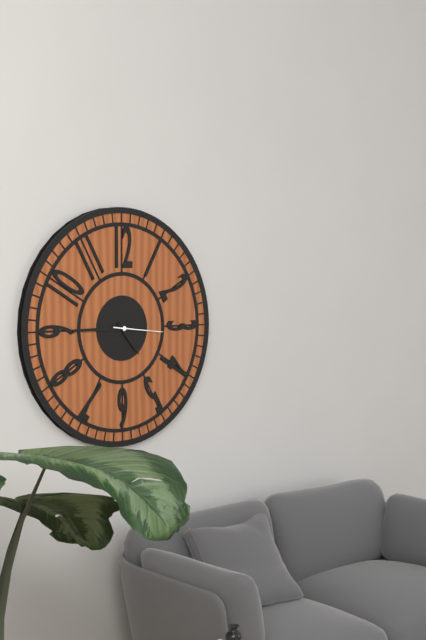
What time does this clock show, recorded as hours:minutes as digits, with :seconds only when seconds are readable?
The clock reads 4:45
